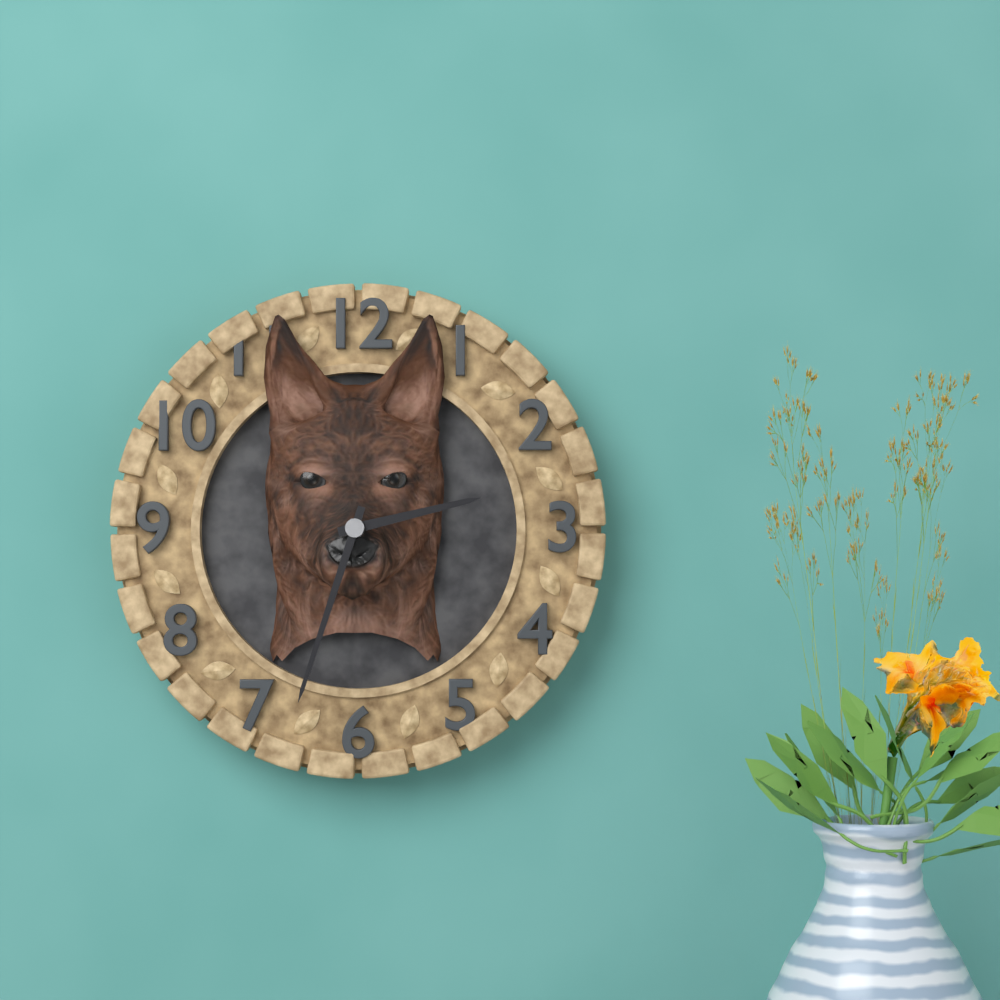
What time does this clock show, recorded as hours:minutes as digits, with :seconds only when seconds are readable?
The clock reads 2:33
